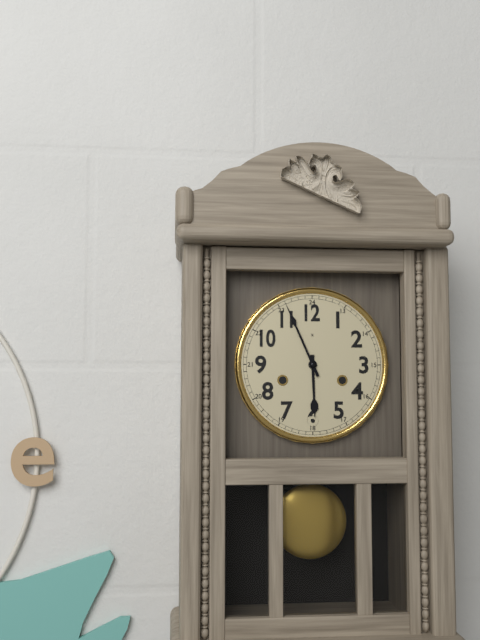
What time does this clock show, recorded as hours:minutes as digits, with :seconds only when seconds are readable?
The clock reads 5:56
